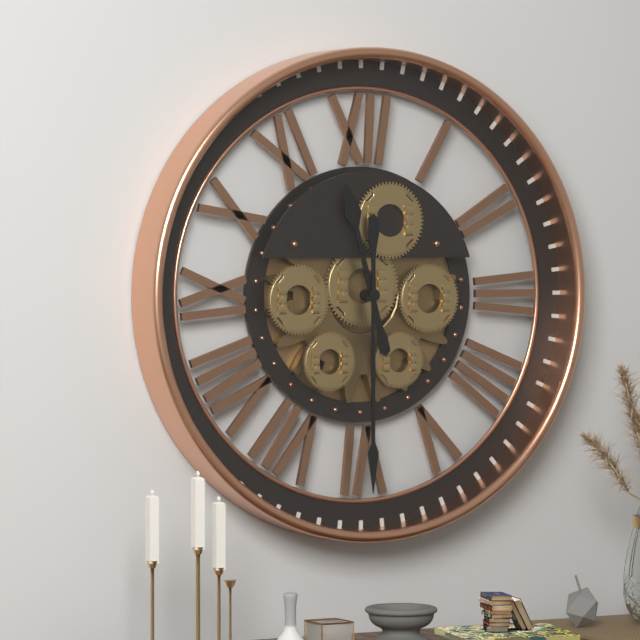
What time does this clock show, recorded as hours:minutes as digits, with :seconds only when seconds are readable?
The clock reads 11:30
